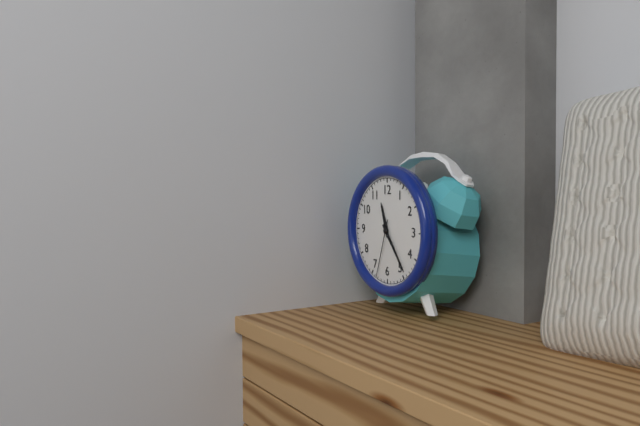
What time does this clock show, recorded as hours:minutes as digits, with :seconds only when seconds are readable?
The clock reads 11:24:33
